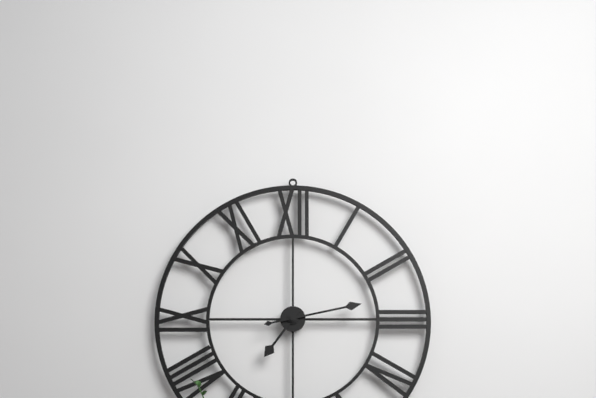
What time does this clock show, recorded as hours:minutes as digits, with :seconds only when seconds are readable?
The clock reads 7:13
